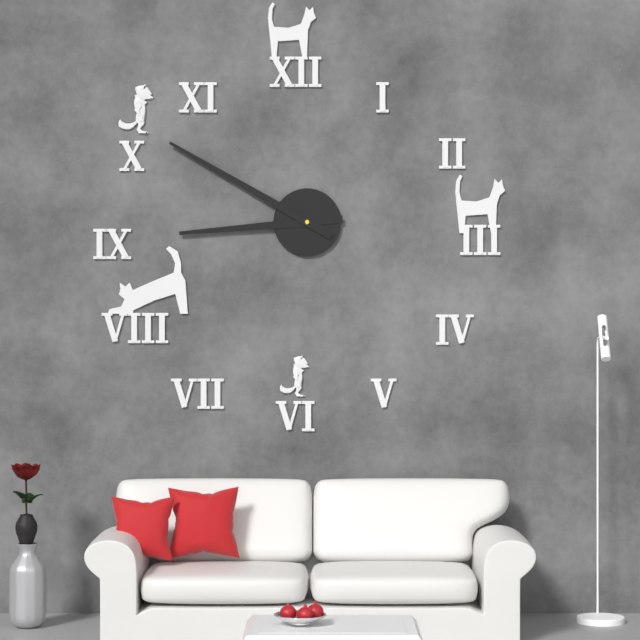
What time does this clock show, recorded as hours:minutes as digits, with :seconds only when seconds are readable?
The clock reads 8:50
